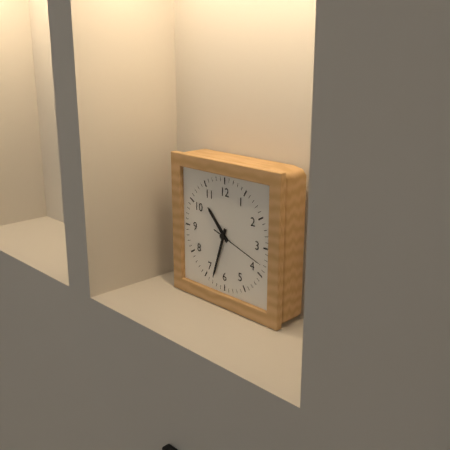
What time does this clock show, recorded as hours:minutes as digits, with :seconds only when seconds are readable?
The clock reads 10:33:18
